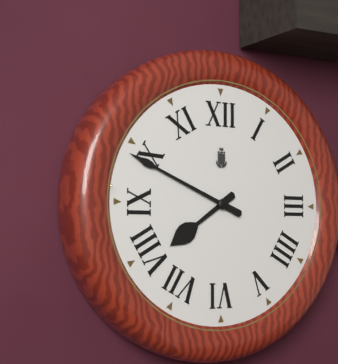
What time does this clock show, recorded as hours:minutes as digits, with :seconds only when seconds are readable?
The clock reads 7:49
